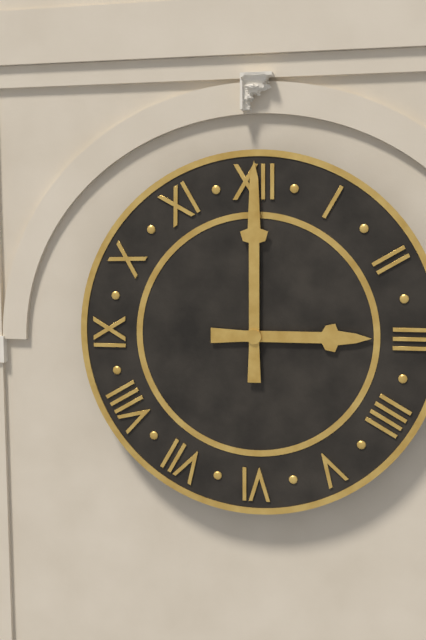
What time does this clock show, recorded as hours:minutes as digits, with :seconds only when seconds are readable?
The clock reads 3:00
